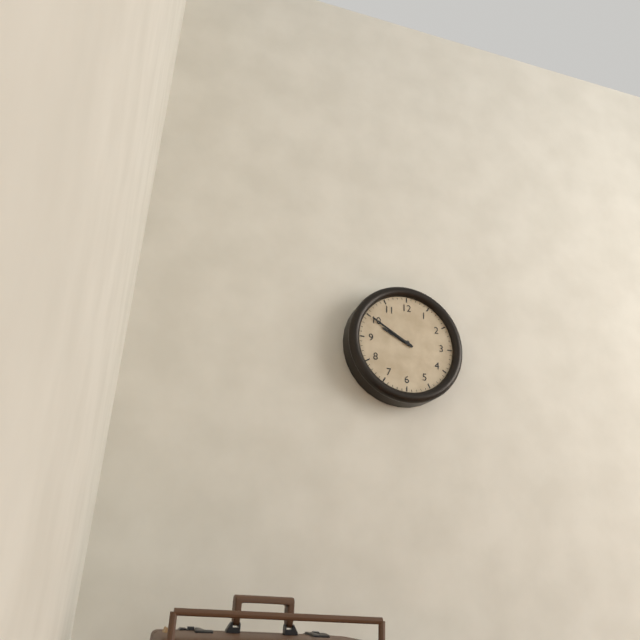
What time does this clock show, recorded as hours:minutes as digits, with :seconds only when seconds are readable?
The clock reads 9:50
